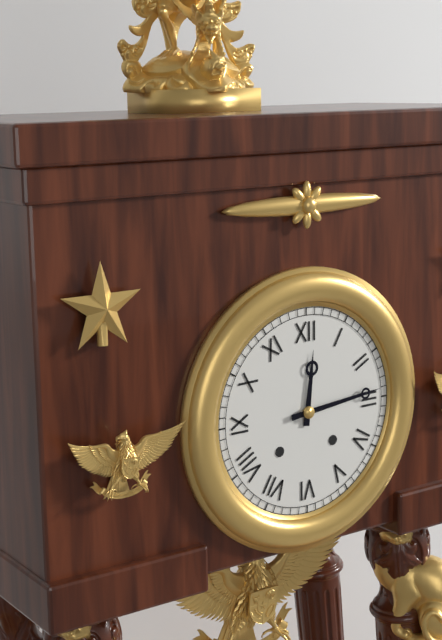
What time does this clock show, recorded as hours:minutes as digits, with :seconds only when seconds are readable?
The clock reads 12:14
